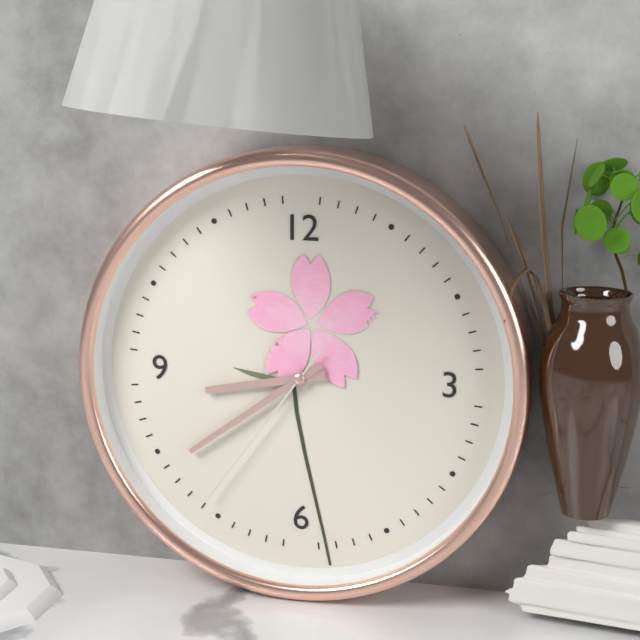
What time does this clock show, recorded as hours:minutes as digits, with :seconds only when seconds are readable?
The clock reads 8:39:36
